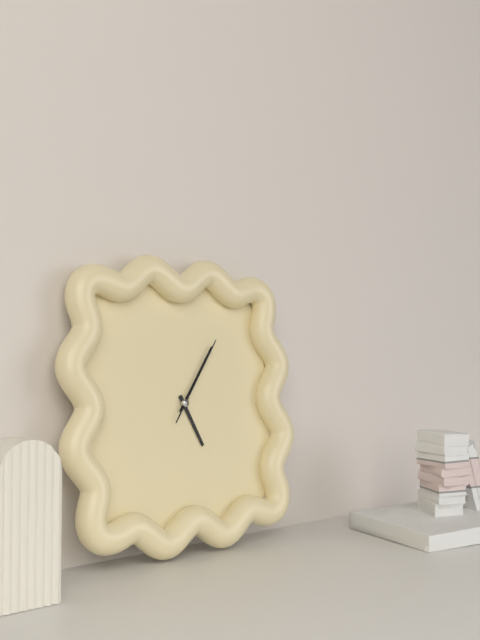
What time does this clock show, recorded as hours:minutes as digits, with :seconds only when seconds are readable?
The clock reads 5:06:06
